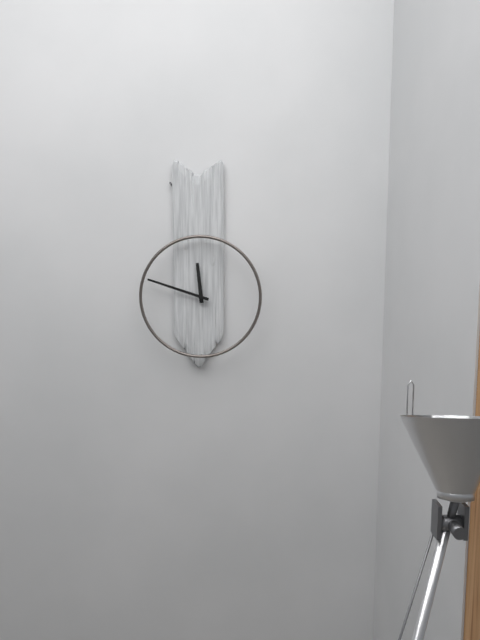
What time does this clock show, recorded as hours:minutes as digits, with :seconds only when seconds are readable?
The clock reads 11:48
